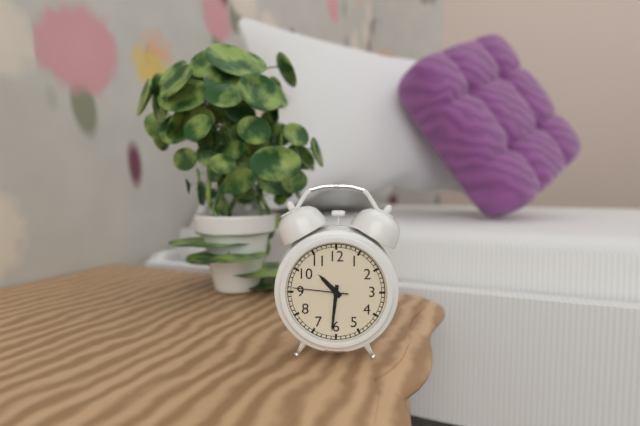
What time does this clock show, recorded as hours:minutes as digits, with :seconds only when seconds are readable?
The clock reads 10:31:46
